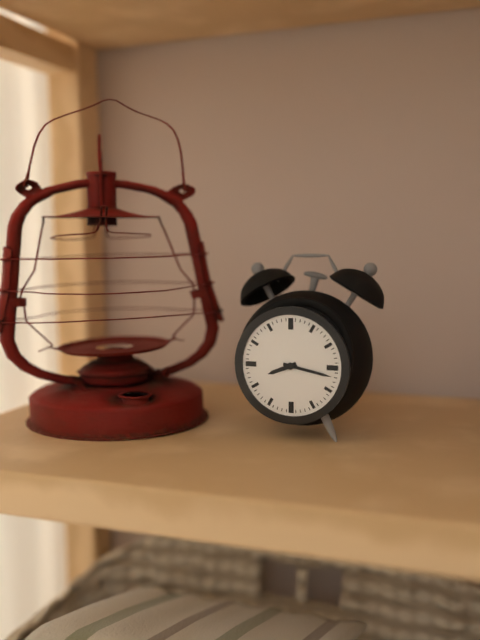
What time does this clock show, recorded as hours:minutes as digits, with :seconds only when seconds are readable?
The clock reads 8:17
